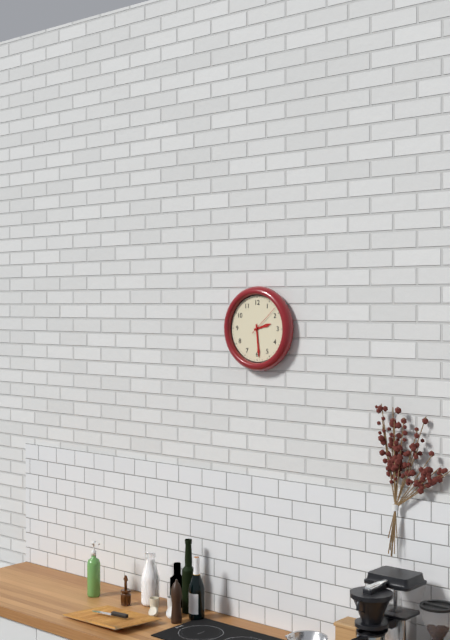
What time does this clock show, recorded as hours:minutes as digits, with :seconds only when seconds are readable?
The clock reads 2:29
